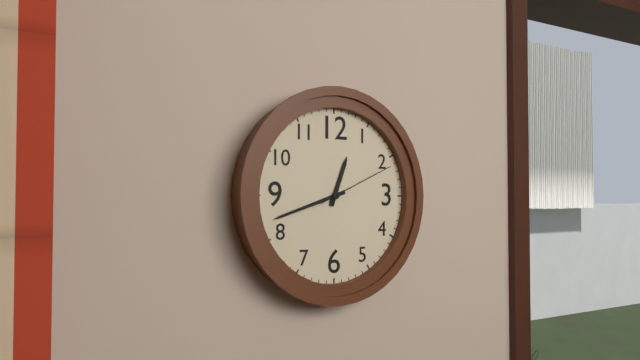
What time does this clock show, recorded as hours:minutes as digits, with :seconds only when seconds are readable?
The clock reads 12:42:11
